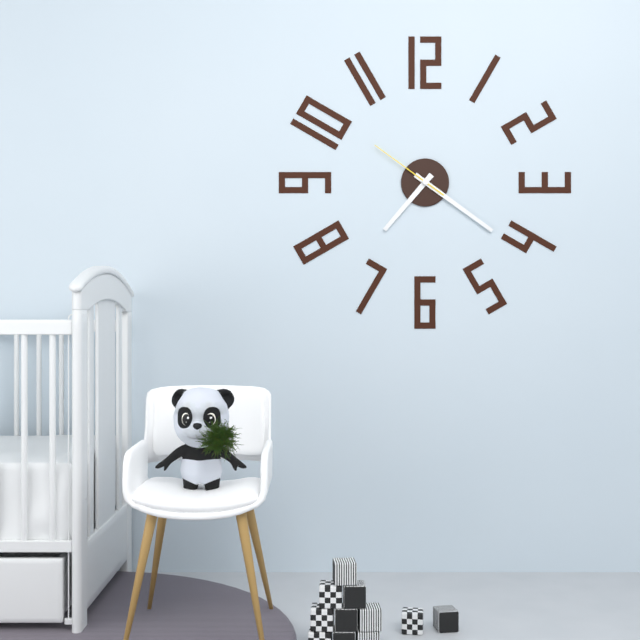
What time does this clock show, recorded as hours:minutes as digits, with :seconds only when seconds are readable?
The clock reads 7:21:51
